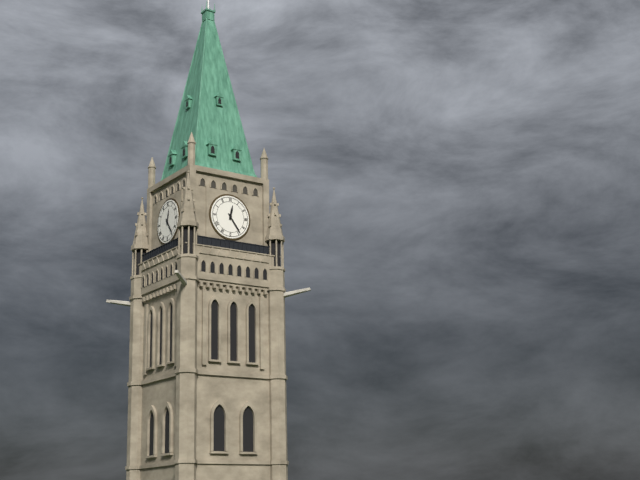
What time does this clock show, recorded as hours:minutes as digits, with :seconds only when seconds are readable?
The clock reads 12:24
